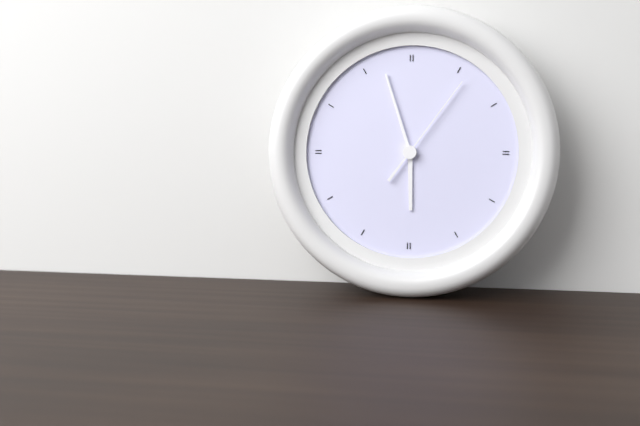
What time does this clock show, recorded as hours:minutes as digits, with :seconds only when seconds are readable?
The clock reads 5:57:06
